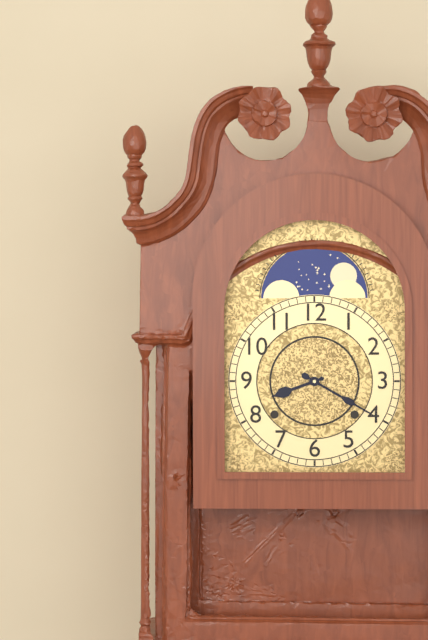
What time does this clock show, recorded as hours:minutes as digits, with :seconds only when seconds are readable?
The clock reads 8:20
